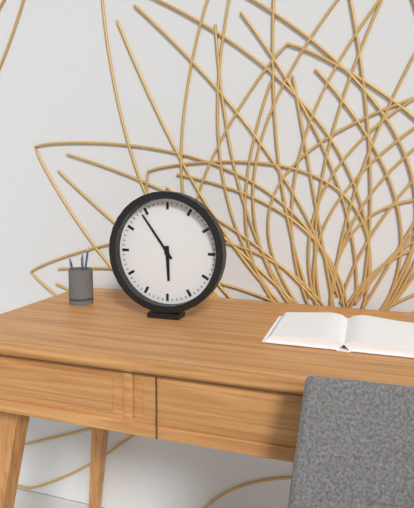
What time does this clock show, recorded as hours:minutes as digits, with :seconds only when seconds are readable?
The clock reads 5:54
